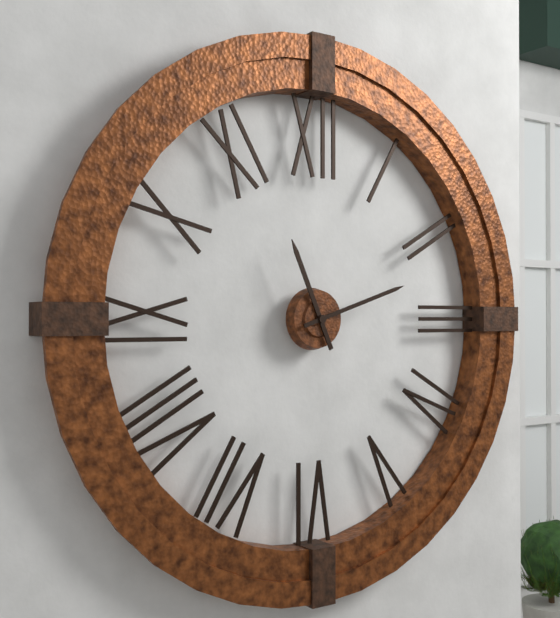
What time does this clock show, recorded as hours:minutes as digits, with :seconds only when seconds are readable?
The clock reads 11:12
